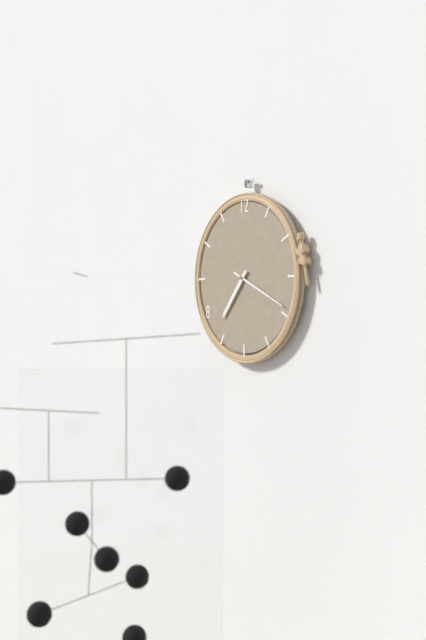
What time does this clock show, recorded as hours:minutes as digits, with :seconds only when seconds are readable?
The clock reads 7:19
